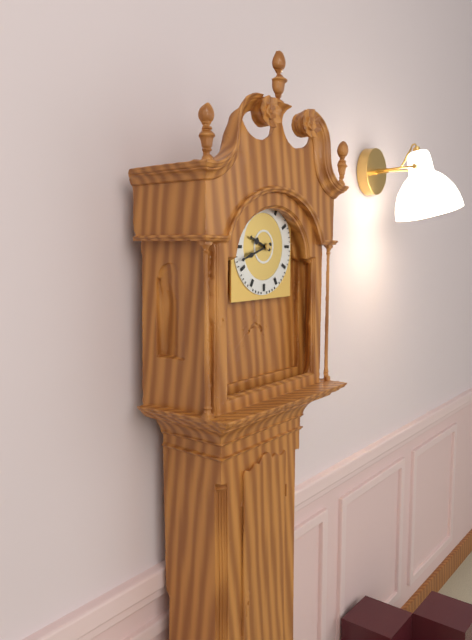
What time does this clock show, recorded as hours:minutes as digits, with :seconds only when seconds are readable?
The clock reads 9:42
